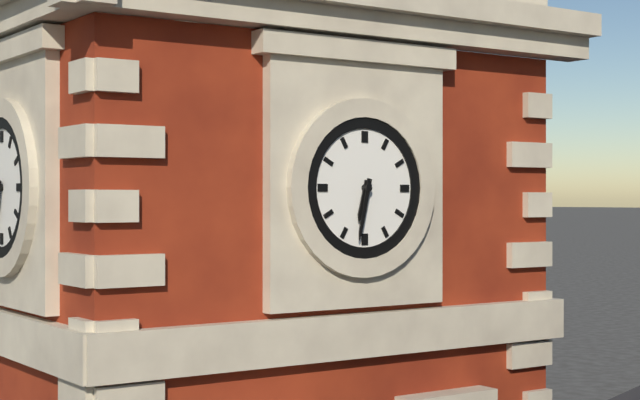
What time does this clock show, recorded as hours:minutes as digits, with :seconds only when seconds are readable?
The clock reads 6:32
